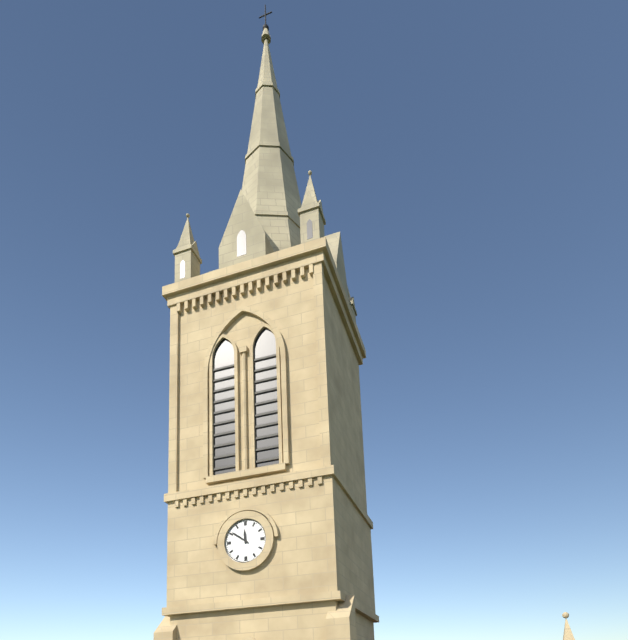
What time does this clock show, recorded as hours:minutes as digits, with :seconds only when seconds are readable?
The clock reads 11:51
